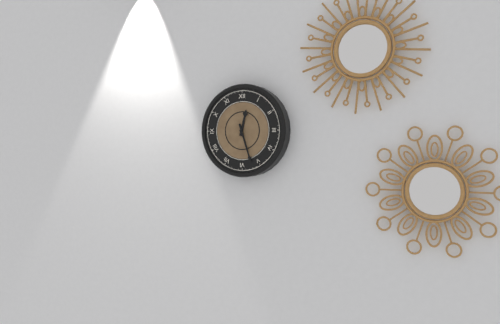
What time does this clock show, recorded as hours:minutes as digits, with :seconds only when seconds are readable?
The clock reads 12:27
